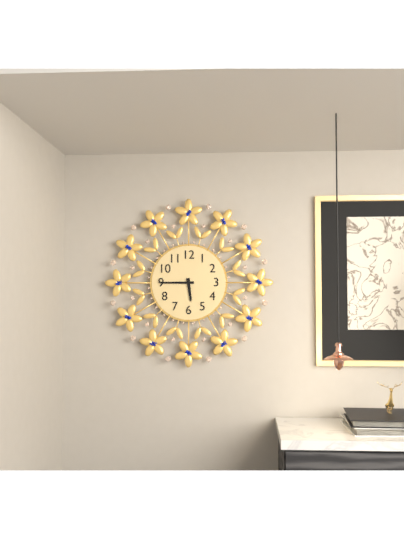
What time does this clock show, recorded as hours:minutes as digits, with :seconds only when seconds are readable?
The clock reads 5:45
